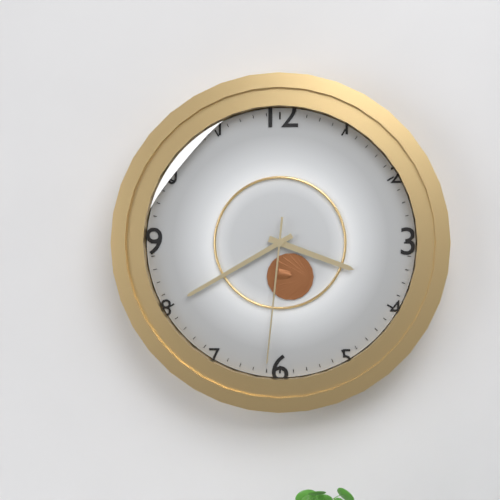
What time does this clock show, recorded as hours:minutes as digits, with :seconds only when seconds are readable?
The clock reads 3:40:31
